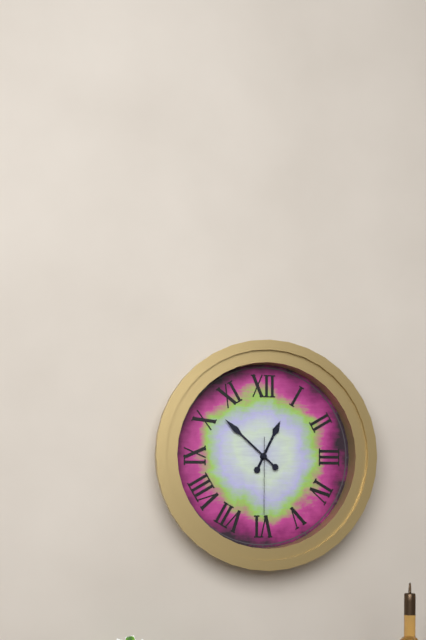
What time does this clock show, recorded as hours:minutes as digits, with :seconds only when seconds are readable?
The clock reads 12:52:30
